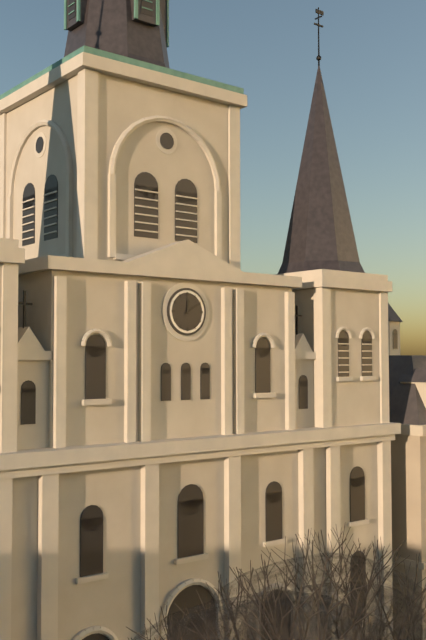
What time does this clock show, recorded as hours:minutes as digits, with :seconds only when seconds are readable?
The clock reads 12:10
